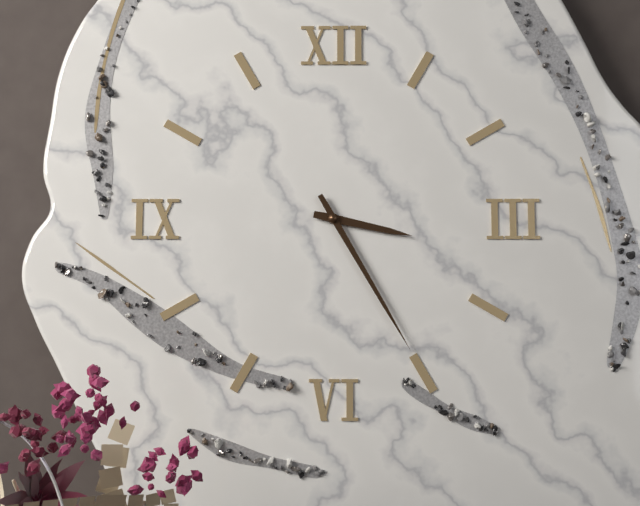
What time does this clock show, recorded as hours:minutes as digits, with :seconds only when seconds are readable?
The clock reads 3:25
